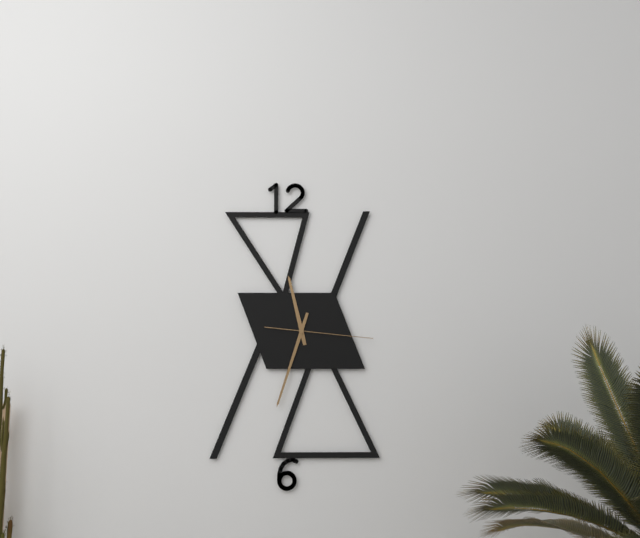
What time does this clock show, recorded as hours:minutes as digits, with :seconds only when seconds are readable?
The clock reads 11:33:16
